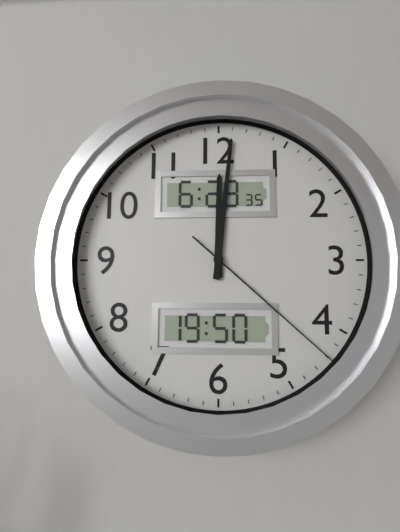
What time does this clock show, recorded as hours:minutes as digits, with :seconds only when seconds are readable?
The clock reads 12:01:22
